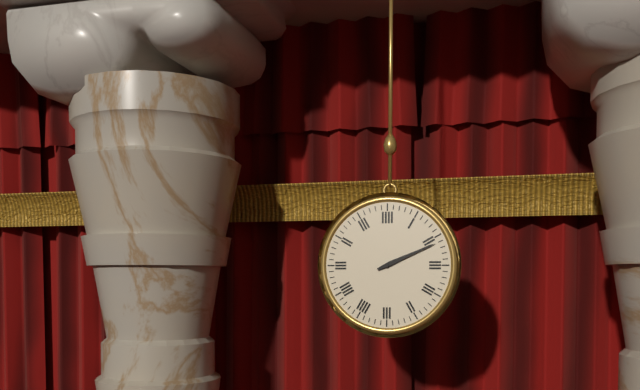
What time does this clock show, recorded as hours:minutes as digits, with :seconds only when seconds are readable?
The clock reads 2:11
